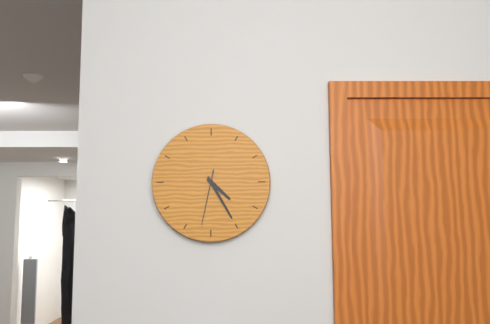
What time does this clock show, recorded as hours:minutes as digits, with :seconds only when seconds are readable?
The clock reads 4:25:32
